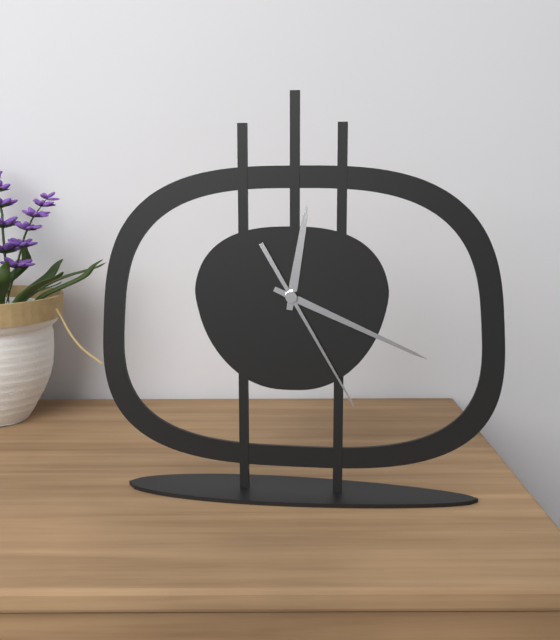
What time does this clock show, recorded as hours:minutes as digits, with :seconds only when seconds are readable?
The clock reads 12:19:25
